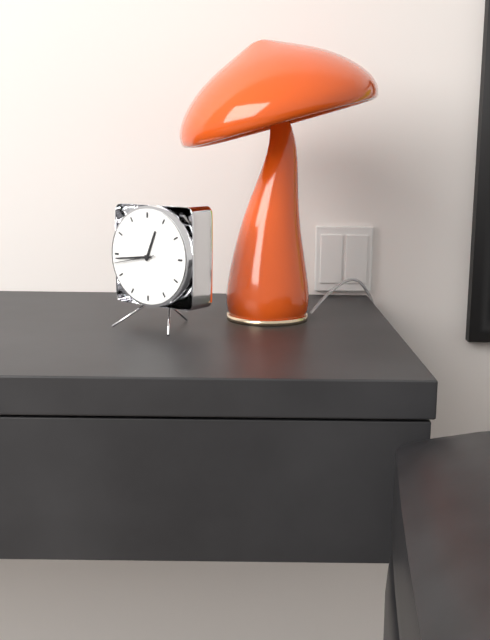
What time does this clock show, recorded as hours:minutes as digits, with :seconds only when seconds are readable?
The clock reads 12:44:43
